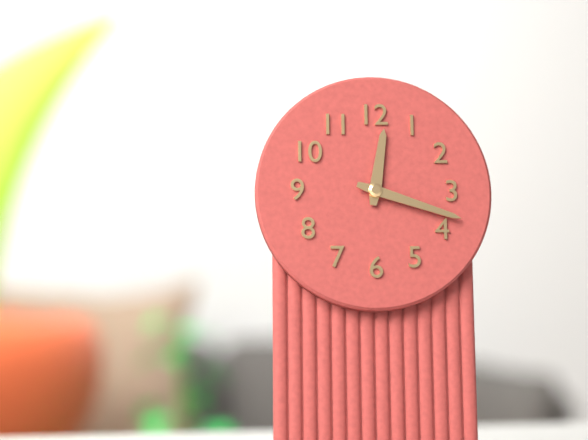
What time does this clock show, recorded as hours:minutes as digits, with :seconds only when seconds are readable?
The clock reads 12:18
